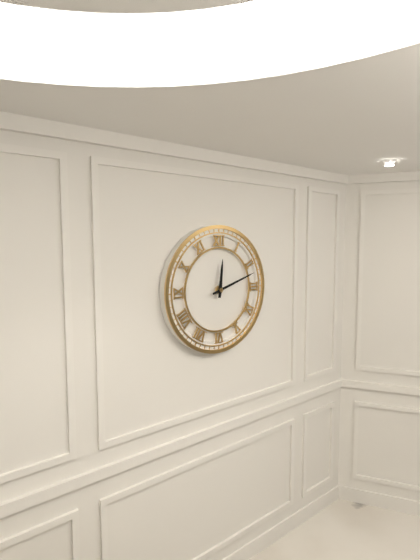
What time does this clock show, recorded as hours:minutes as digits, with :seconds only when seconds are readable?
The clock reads 12:12
